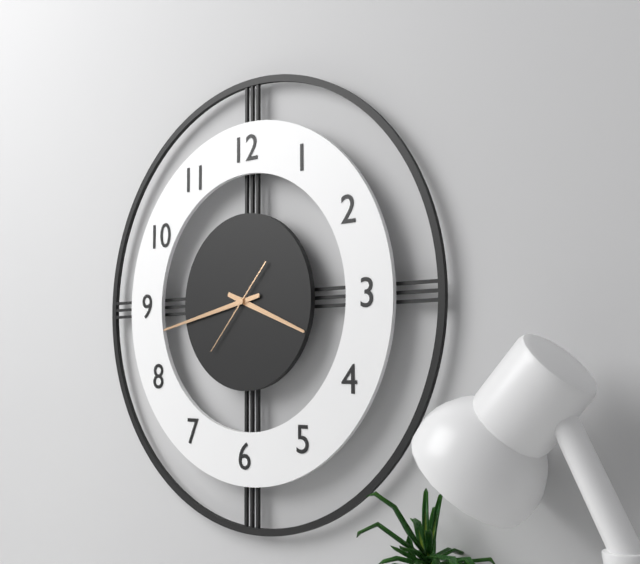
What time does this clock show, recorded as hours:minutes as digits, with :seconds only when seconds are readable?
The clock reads 3:43:37
